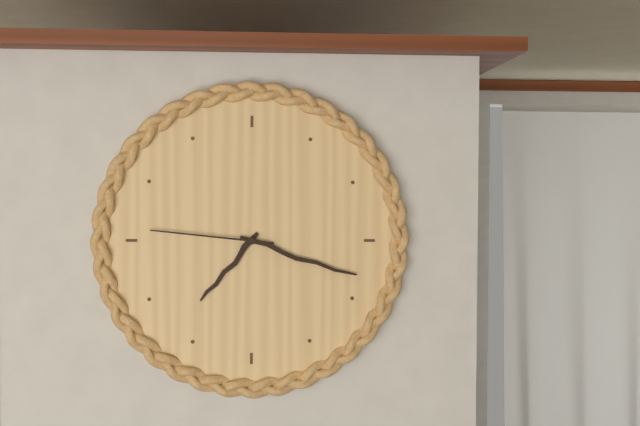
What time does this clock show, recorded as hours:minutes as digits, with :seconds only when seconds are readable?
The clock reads 7:18:46
